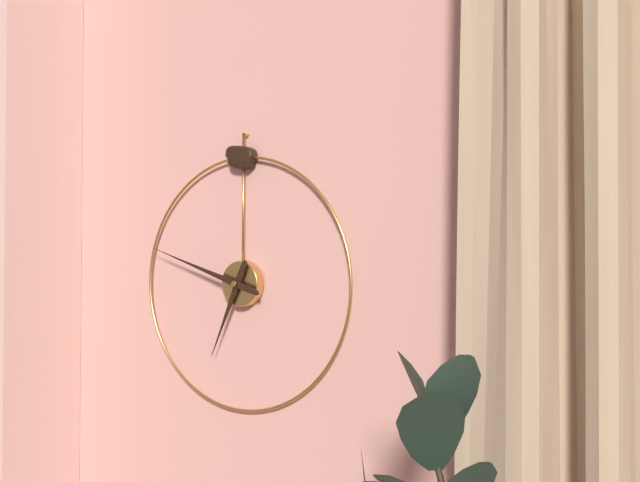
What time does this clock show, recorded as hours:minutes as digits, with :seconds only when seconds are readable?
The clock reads 6:48
